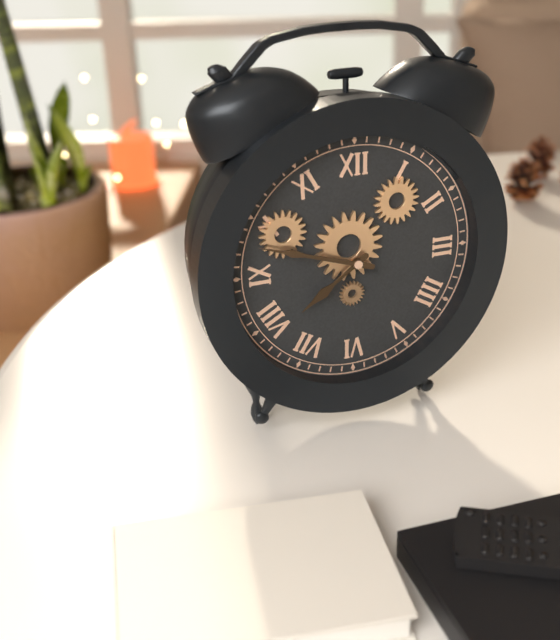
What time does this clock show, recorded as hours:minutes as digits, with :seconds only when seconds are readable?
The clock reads 7:48
